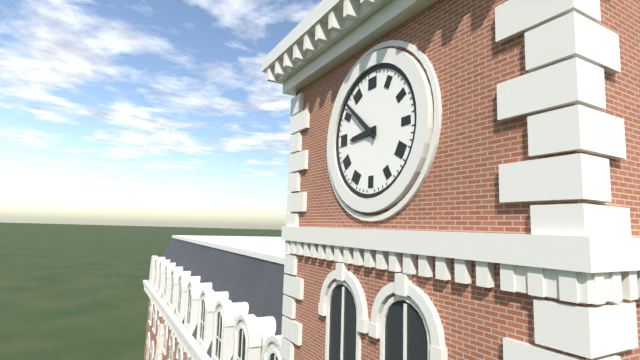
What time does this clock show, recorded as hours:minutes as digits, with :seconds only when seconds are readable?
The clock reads 8:52
